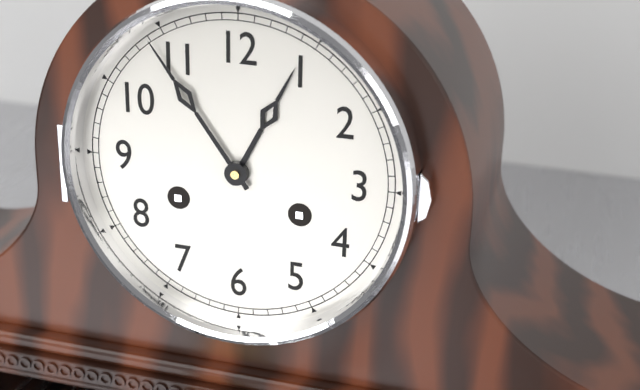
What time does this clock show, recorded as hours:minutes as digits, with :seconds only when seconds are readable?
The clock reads 12:54
